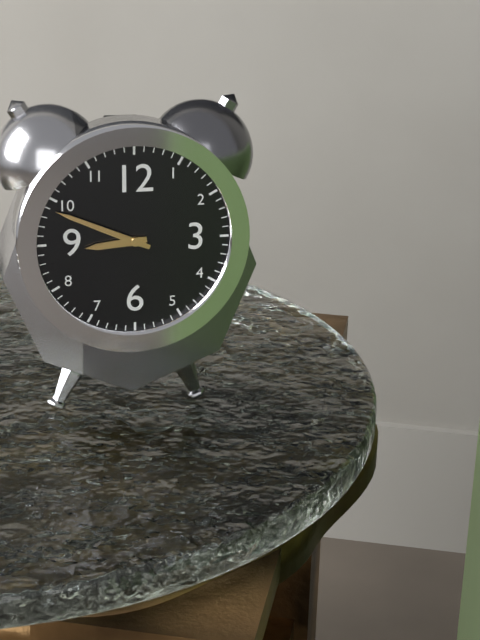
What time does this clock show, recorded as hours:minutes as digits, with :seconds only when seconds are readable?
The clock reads 8:49
